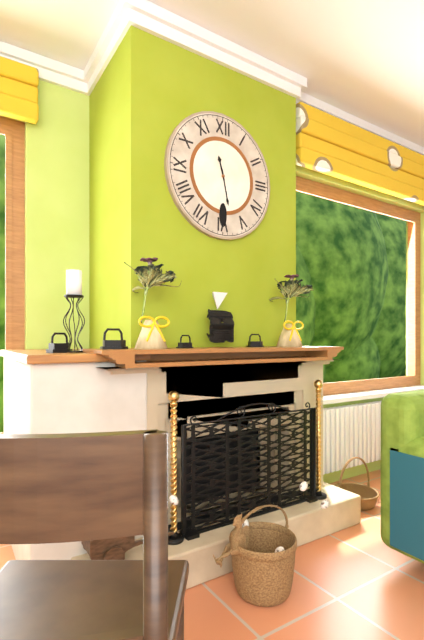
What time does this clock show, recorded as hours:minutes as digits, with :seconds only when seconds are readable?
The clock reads 11:28
